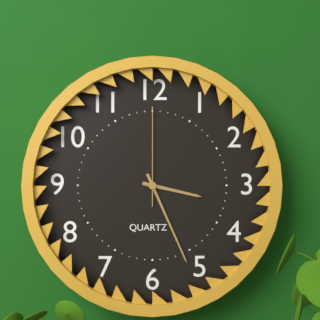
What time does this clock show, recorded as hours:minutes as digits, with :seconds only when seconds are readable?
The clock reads 3:26:00
